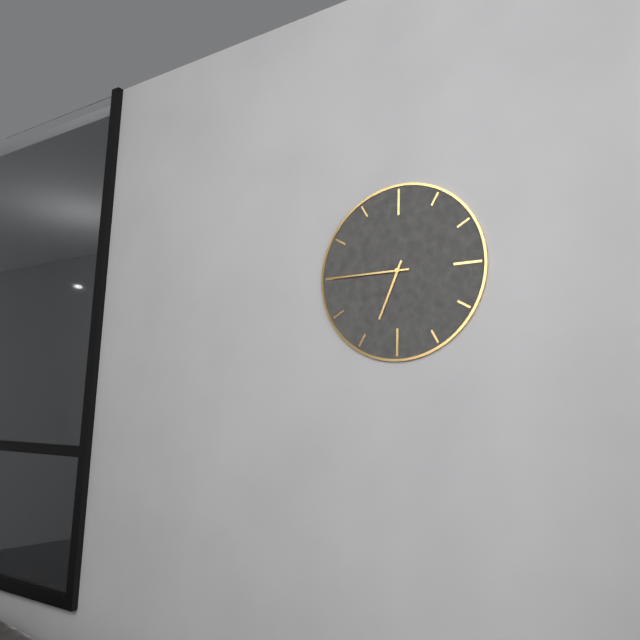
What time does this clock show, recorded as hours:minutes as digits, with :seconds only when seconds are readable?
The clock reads 6:45
